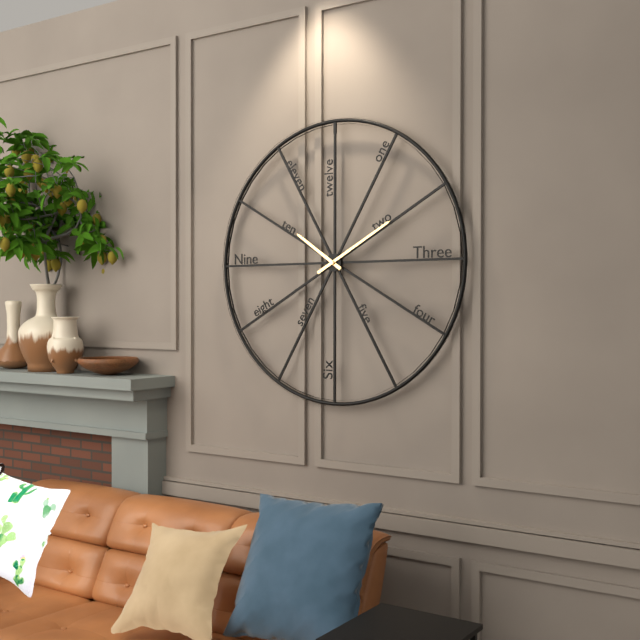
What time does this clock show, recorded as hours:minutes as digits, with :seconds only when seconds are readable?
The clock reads 10:10
